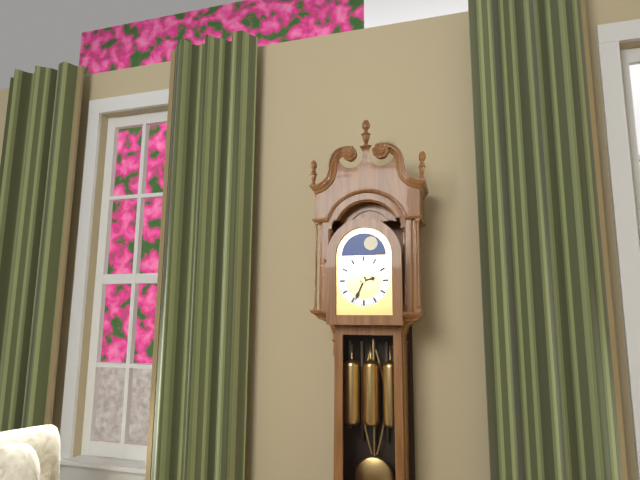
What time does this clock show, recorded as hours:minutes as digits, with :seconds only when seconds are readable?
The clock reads 2:34
